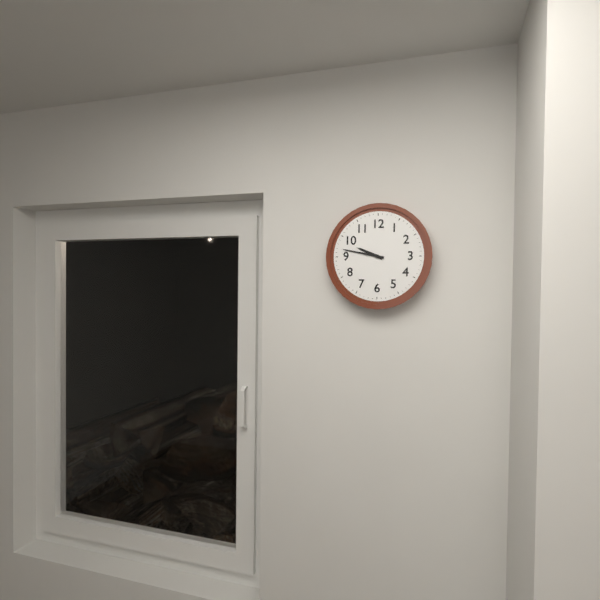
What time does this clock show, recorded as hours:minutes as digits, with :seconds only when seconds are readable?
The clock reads 9:47
